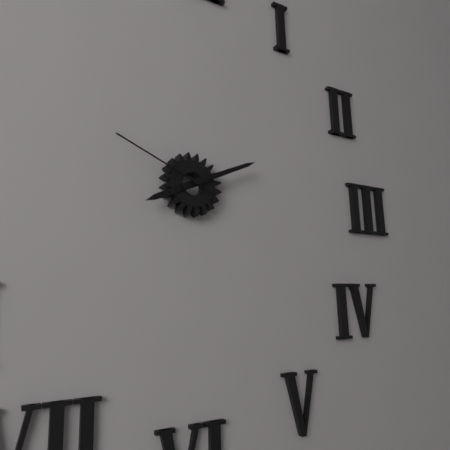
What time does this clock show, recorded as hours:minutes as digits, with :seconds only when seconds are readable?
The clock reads 8:11:49
